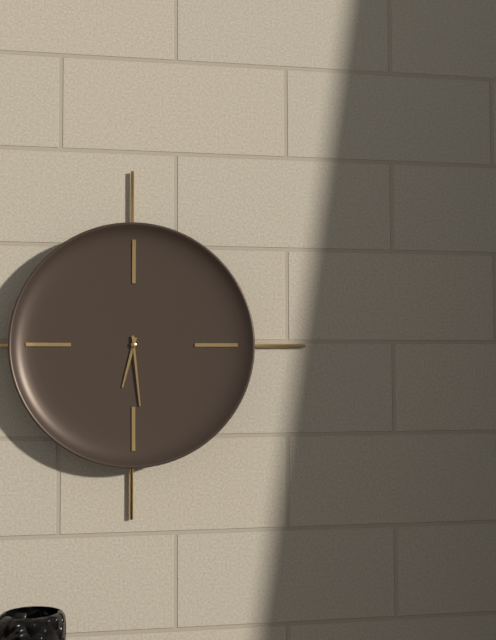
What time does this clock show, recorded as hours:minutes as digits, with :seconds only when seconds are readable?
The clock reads 6:29
